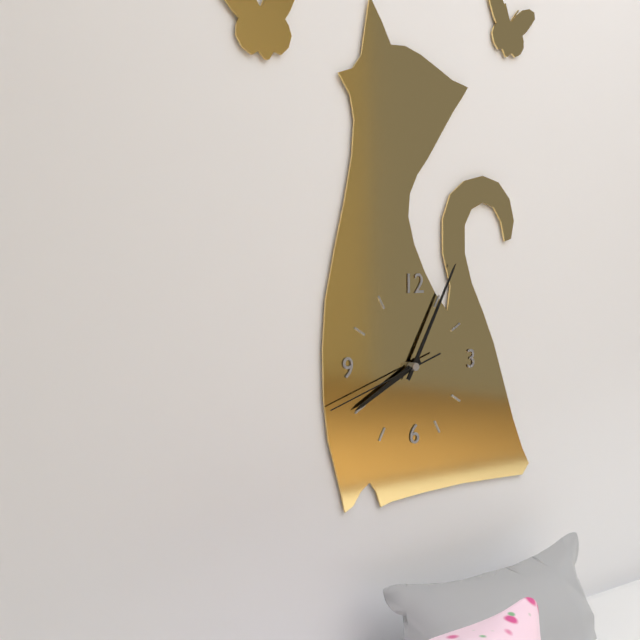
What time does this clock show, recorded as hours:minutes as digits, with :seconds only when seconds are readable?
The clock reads 8:05:42
